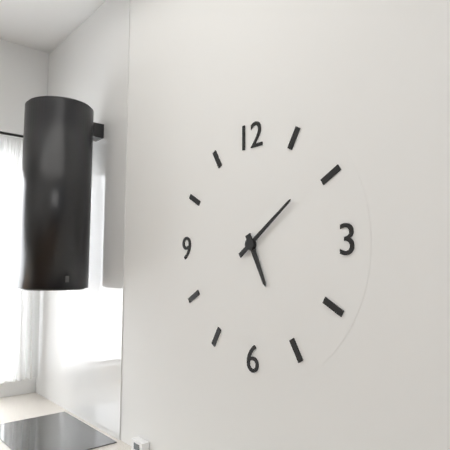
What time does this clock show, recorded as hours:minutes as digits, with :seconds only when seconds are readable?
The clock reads 5:09
